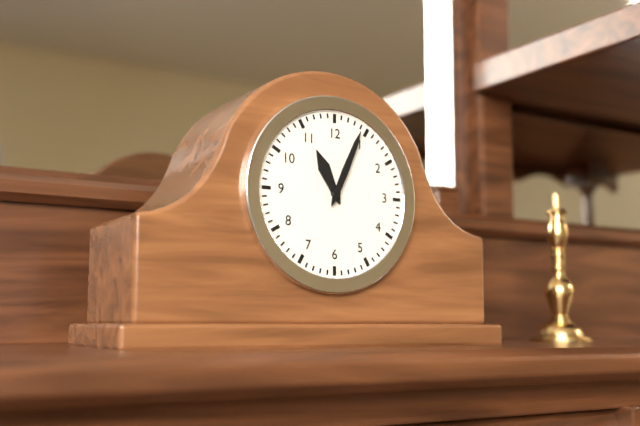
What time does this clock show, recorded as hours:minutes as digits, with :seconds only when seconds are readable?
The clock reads 11:04
